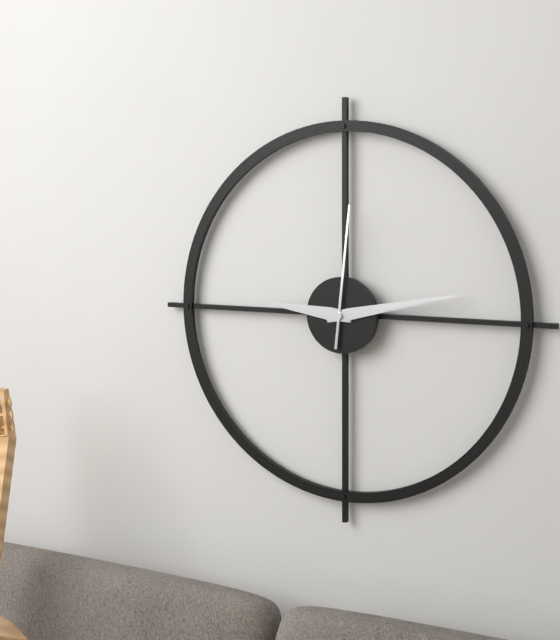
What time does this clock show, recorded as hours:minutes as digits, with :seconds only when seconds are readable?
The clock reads 9:13:01
